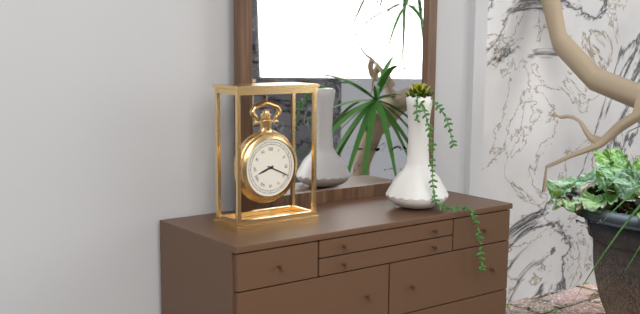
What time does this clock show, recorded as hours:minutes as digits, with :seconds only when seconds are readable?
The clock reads 8:19
